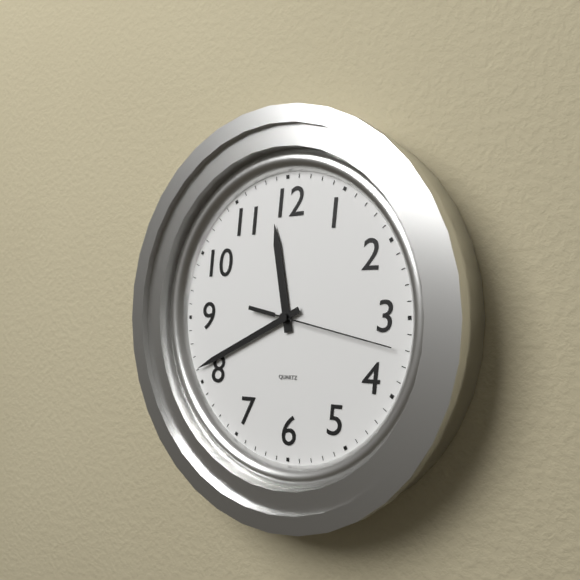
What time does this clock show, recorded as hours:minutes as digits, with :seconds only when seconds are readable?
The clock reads 11:41:17
